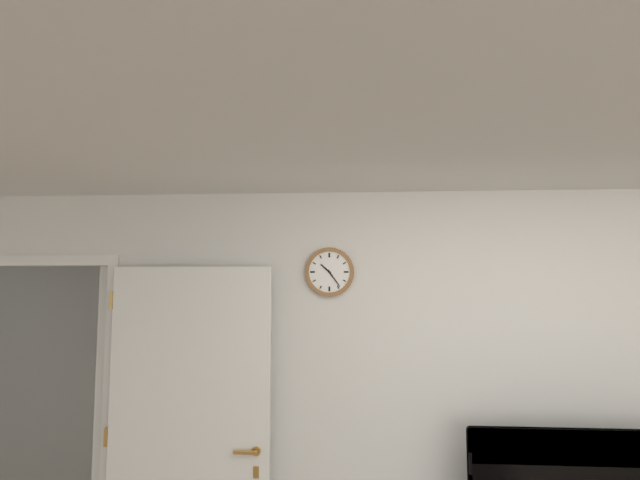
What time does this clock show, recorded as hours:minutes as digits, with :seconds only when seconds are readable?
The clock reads 10:24
